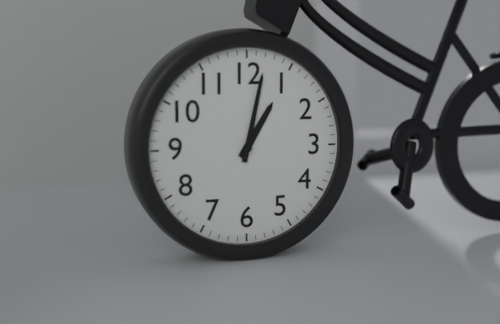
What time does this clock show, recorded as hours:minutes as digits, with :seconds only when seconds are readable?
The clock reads 1:02
